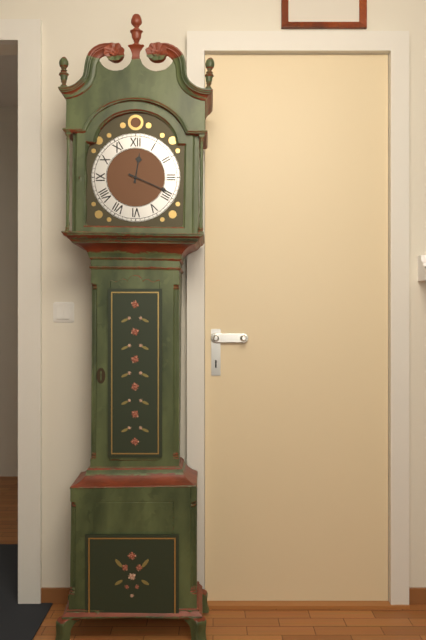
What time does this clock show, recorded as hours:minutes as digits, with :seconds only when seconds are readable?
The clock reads 12:19
